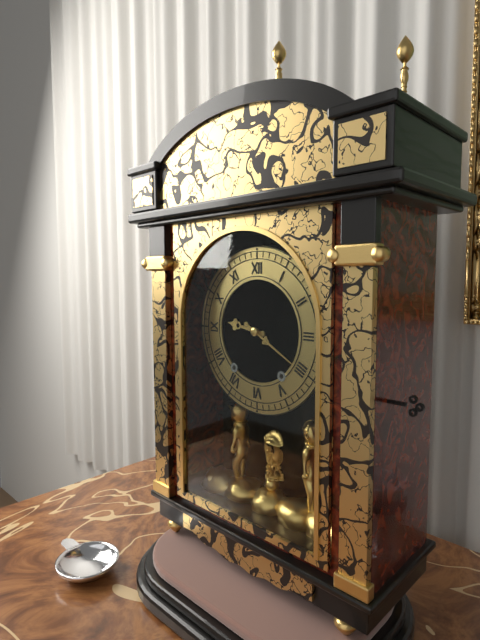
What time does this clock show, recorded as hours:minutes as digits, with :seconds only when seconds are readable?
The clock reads 9:20
